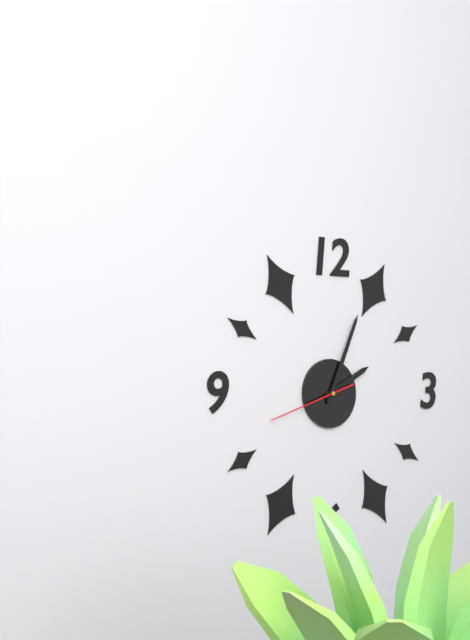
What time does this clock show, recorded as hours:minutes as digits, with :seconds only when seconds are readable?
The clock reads 2:04:42
